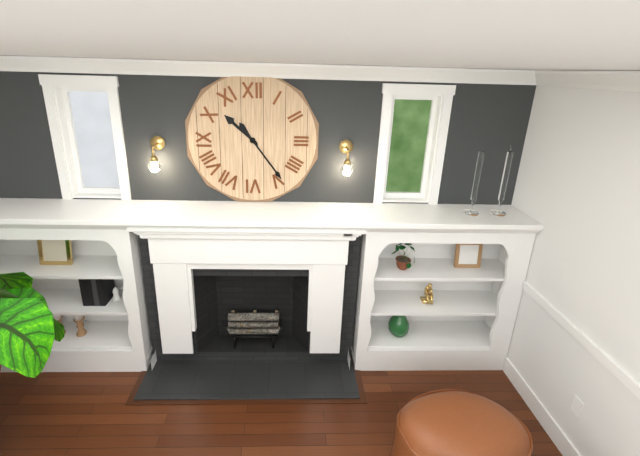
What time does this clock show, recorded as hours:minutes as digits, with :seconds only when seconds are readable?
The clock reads 10:24
